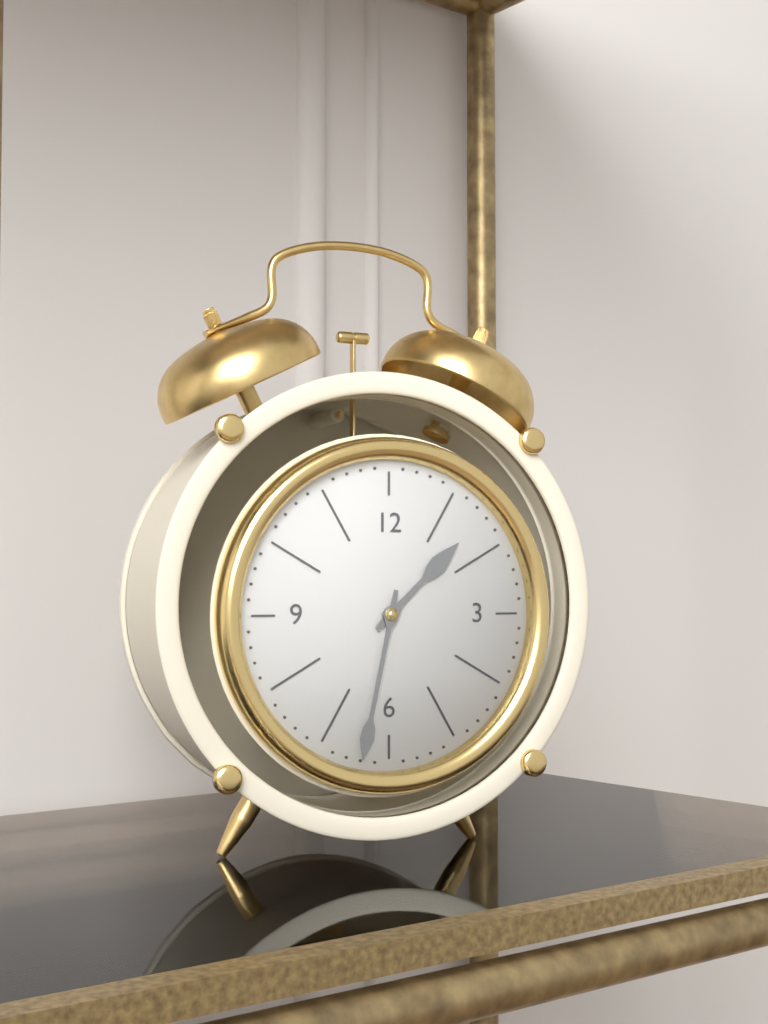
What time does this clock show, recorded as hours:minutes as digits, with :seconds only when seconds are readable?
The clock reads 1:32
